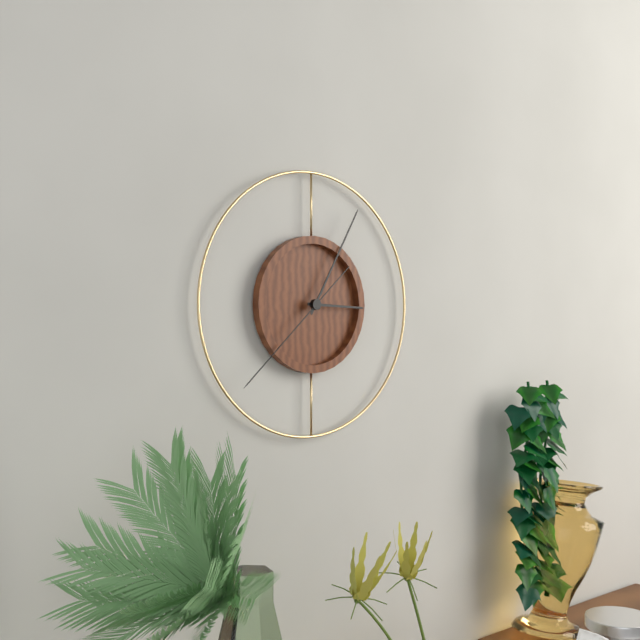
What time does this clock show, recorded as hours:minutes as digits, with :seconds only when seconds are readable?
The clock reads 3:05:38
